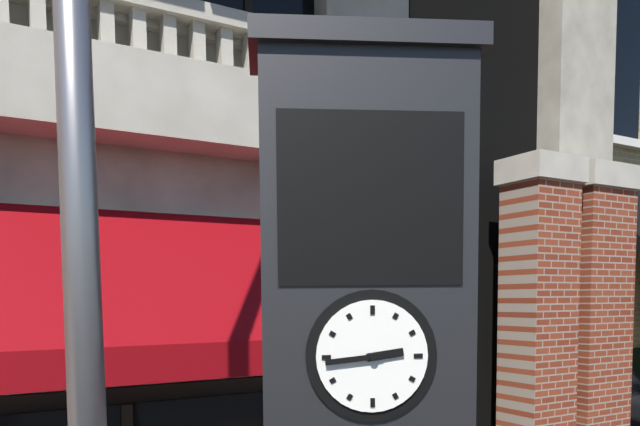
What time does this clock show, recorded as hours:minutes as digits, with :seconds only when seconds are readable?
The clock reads 2:44
